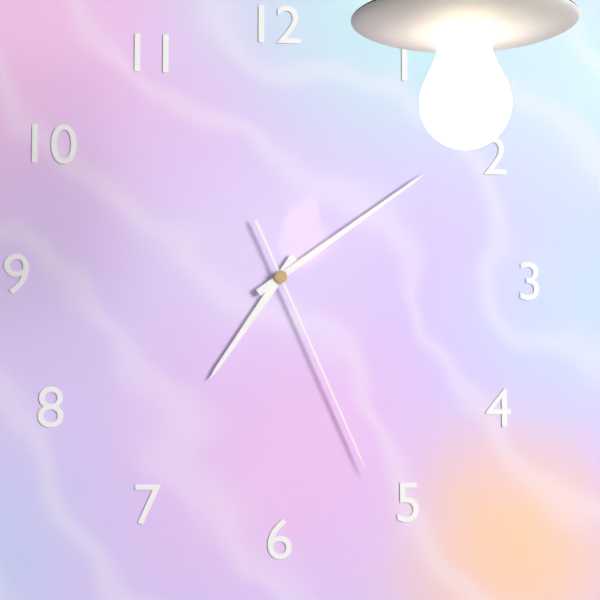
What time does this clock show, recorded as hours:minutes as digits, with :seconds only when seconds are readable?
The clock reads 7:09:26
